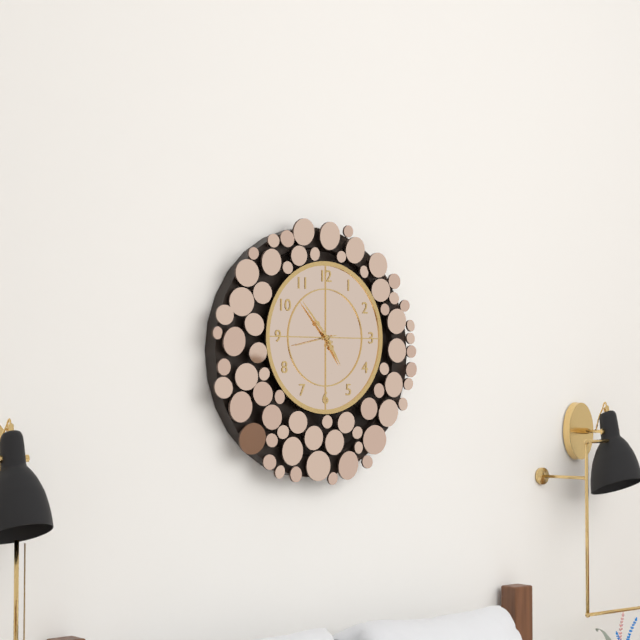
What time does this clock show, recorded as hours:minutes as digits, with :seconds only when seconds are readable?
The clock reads 4:53
